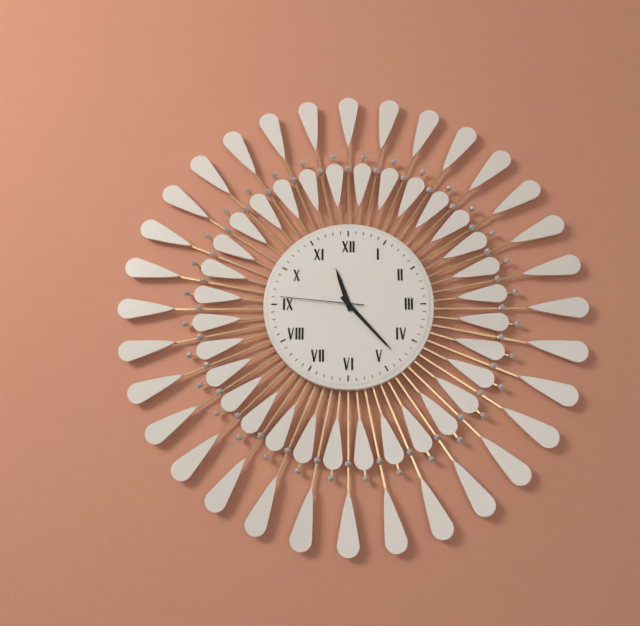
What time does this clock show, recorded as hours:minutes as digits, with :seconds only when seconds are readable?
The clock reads 11:23:46
